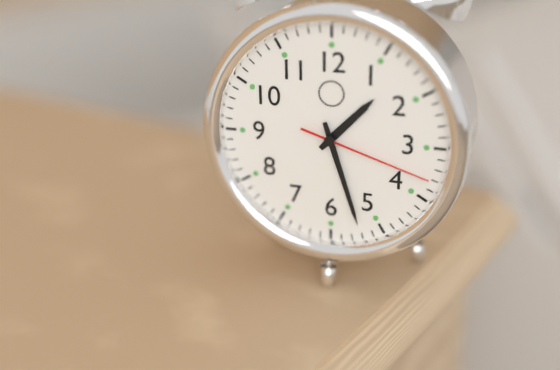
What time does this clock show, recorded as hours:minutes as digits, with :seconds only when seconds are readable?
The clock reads 1:27:18
